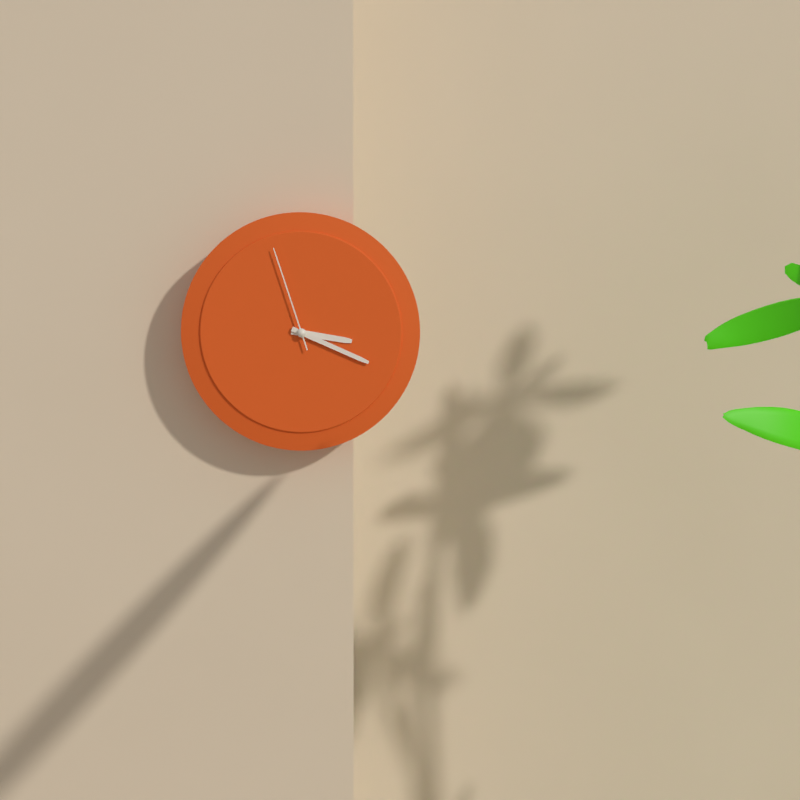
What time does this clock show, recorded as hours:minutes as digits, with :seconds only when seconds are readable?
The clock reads 3:19:57
